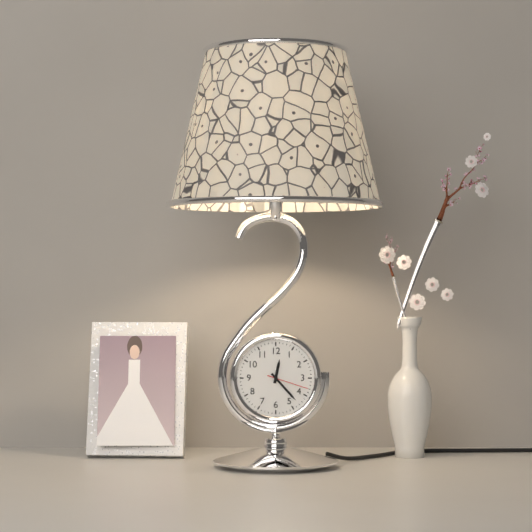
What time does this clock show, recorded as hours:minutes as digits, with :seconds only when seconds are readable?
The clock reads 12:23
